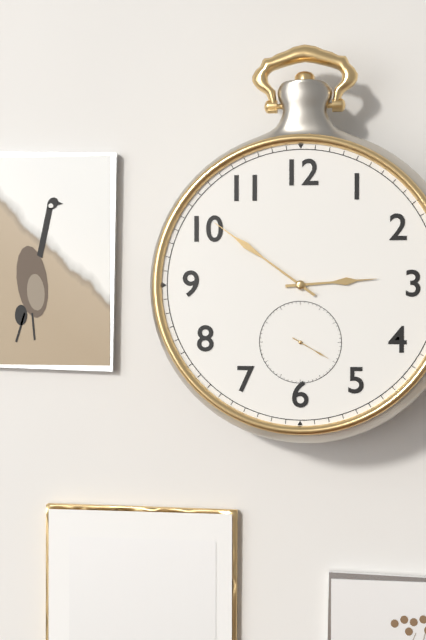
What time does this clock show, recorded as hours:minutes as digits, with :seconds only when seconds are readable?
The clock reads 2:51
